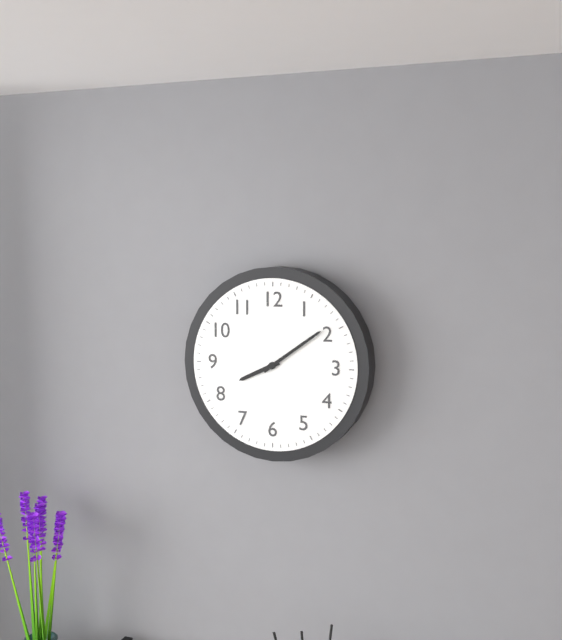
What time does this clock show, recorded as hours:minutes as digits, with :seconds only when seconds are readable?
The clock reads 8:09
